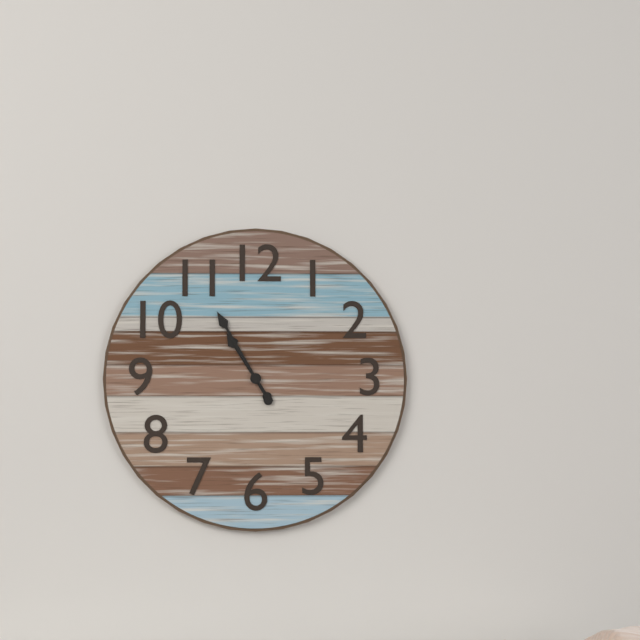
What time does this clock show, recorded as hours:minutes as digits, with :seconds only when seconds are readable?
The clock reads 10:55
